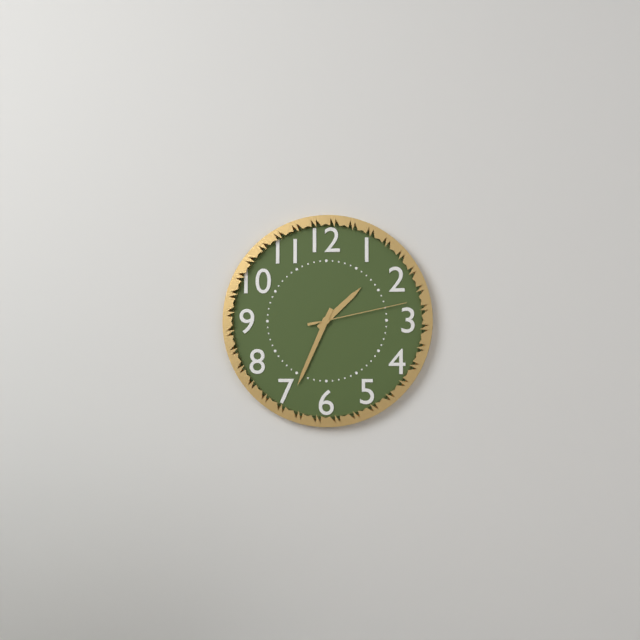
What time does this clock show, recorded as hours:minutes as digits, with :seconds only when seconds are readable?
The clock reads 1:34:13
